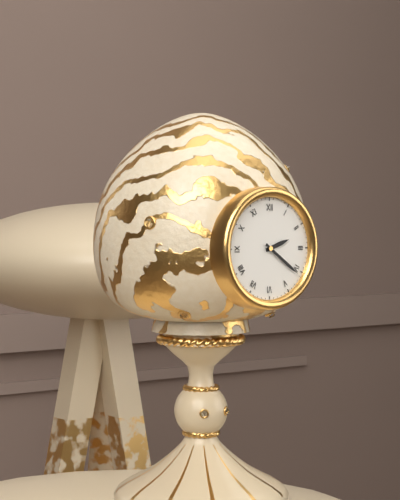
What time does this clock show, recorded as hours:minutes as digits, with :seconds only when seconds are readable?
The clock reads 2:21
